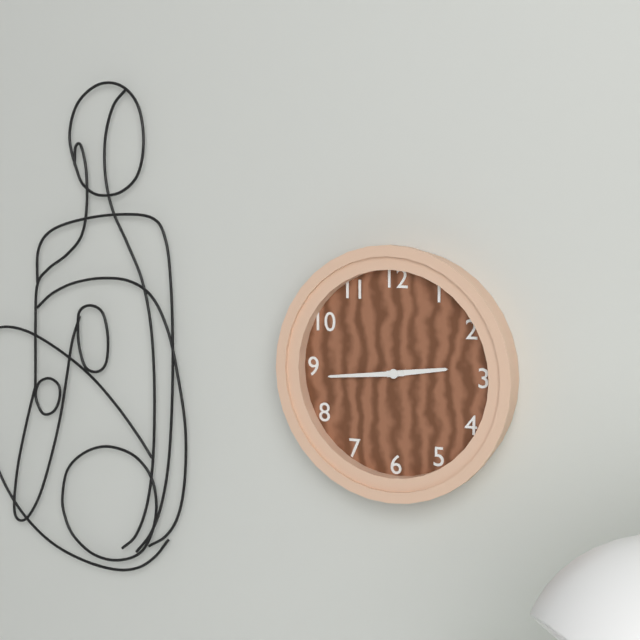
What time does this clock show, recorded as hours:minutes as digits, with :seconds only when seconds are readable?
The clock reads 2:44
